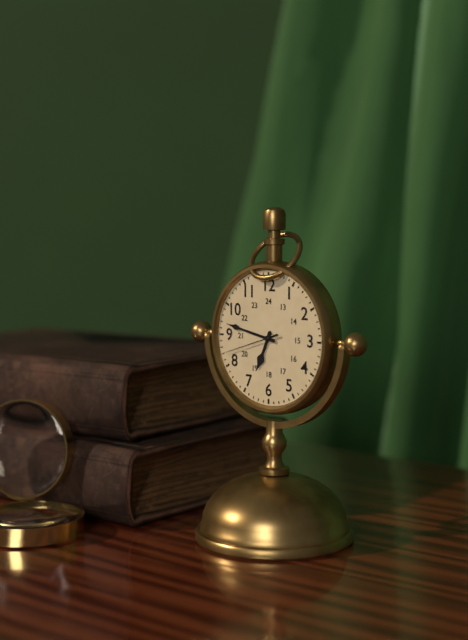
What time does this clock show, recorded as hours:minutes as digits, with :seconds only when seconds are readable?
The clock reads 6:47:42
